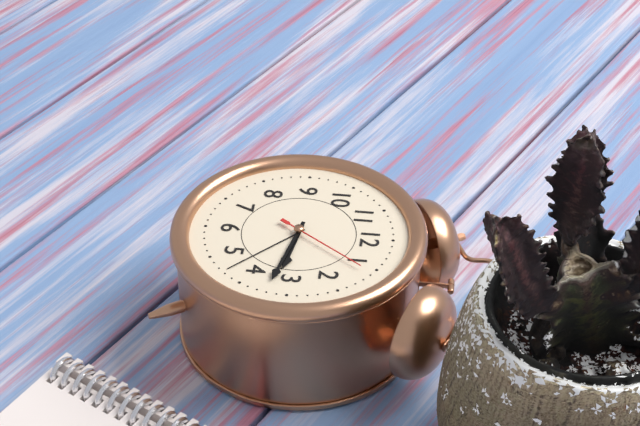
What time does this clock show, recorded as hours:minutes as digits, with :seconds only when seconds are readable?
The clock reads 3:17:06
